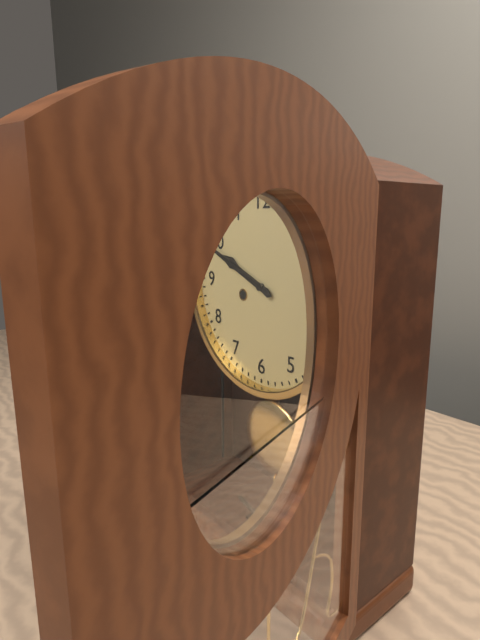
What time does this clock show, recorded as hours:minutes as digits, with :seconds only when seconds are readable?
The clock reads 9:49
